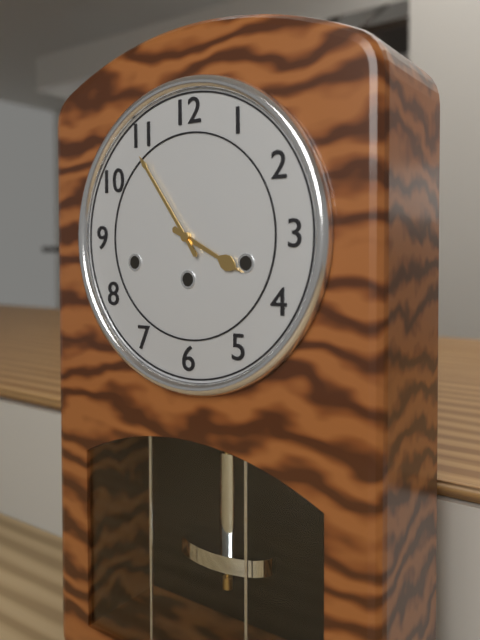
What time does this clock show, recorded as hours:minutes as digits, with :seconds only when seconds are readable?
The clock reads 3:54
